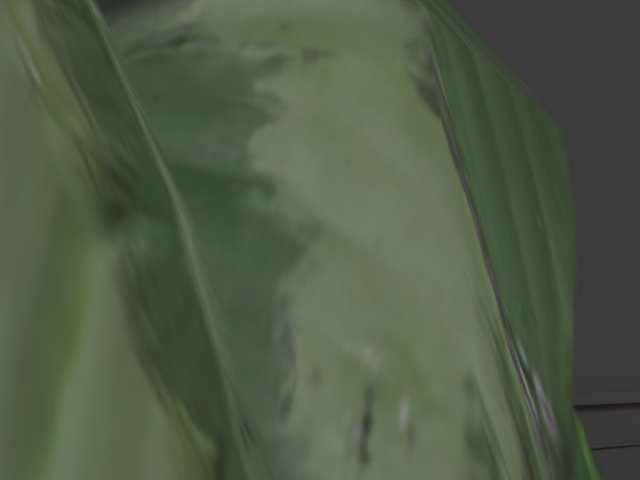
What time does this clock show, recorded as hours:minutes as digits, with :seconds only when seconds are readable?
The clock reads 8:30
